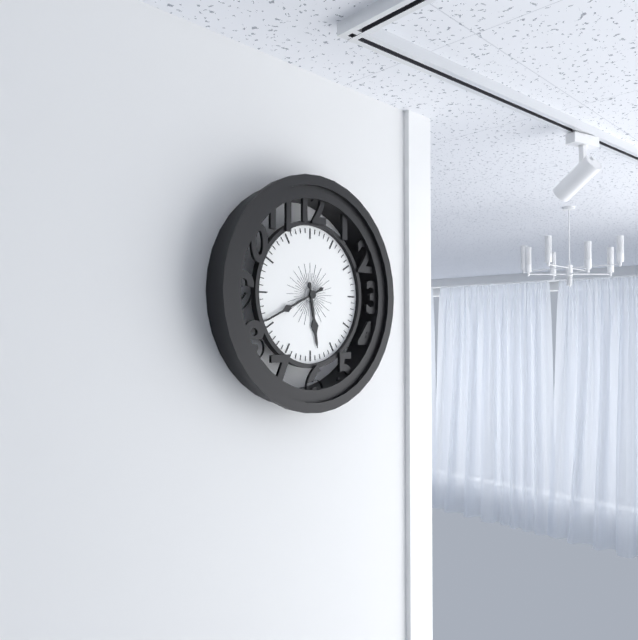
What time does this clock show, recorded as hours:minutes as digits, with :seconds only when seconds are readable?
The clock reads 5:41
